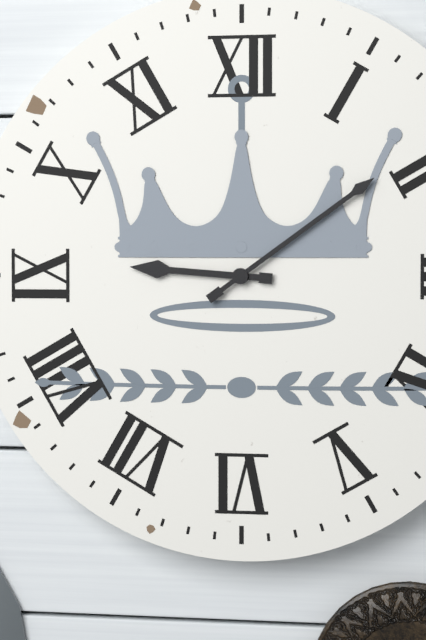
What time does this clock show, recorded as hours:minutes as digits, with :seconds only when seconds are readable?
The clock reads 9:09
